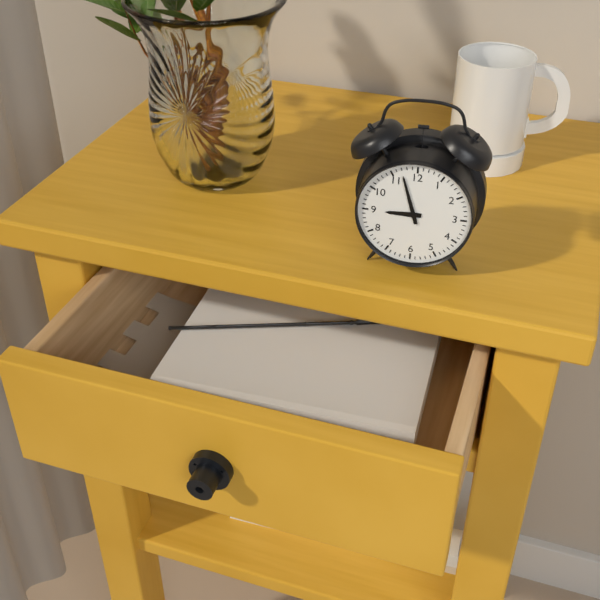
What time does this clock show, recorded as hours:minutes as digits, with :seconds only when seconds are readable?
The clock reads 8:57
